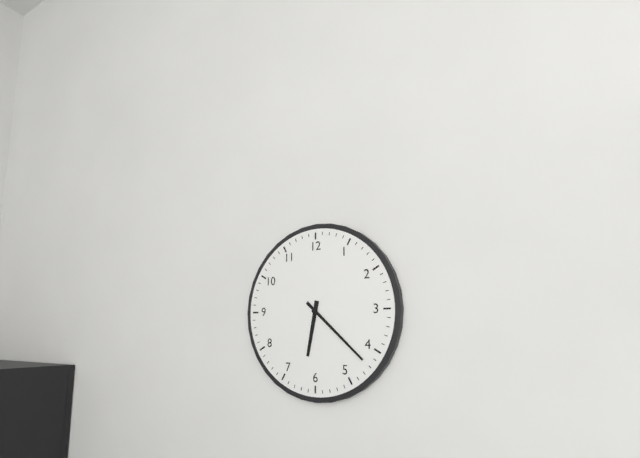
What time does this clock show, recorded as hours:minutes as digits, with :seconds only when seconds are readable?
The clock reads 6:22
